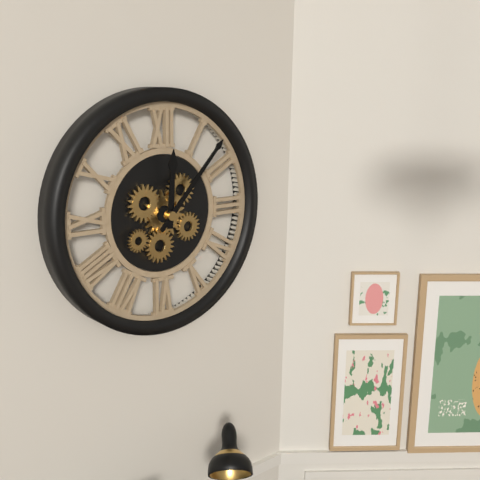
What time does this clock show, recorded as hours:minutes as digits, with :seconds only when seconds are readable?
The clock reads 12:07
